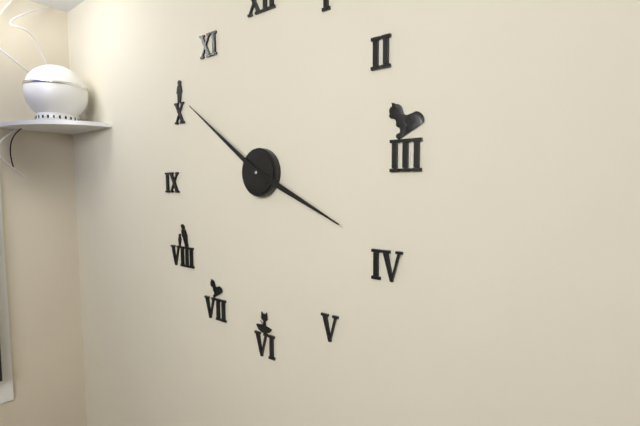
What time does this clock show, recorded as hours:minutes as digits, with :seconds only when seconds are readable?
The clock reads 3:51
